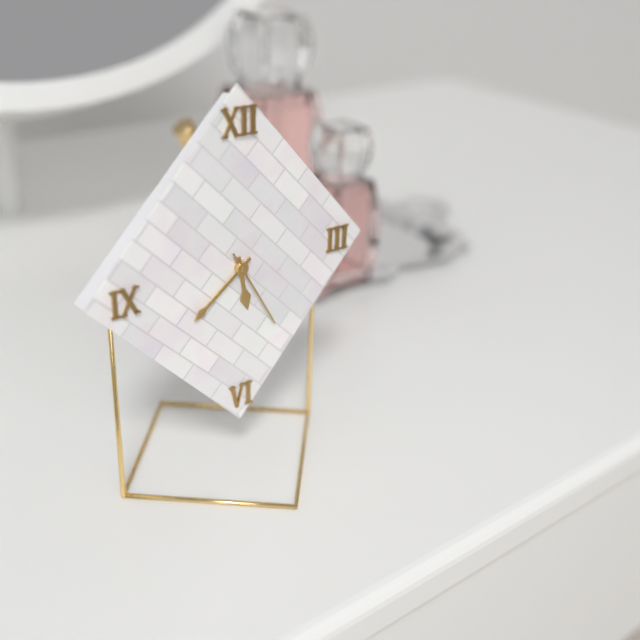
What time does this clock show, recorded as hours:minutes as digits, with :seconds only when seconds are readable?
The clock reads 5:39:25
